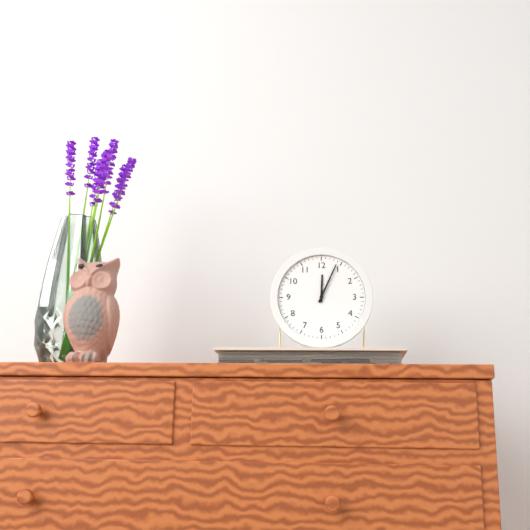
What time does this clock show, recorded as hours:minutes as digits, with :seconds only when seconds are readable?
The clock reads 12:04
